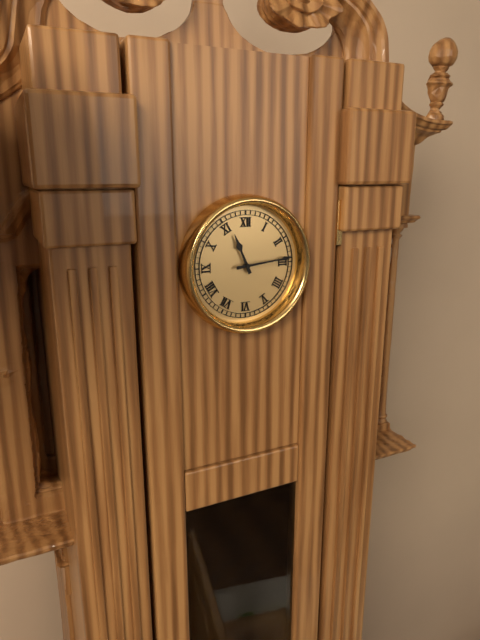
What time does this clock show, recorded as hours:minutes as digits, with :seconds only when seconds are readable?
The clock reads 11:14
